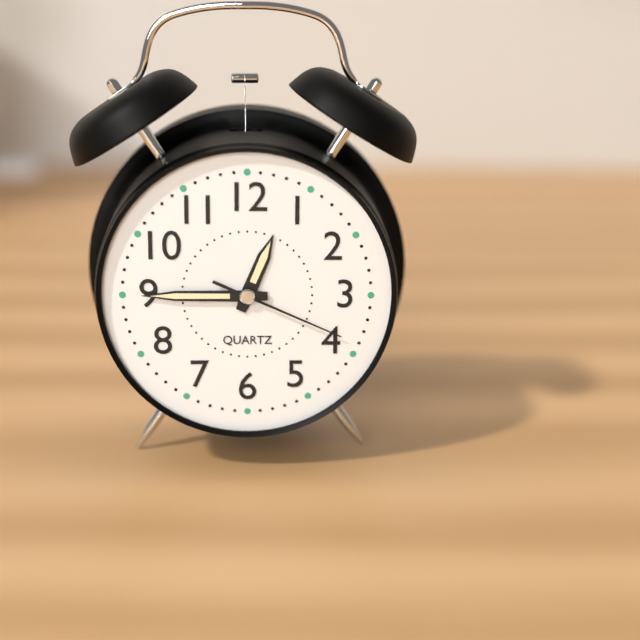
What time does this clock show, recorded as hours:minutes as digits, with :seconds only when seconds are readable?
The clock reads 12:45:19
